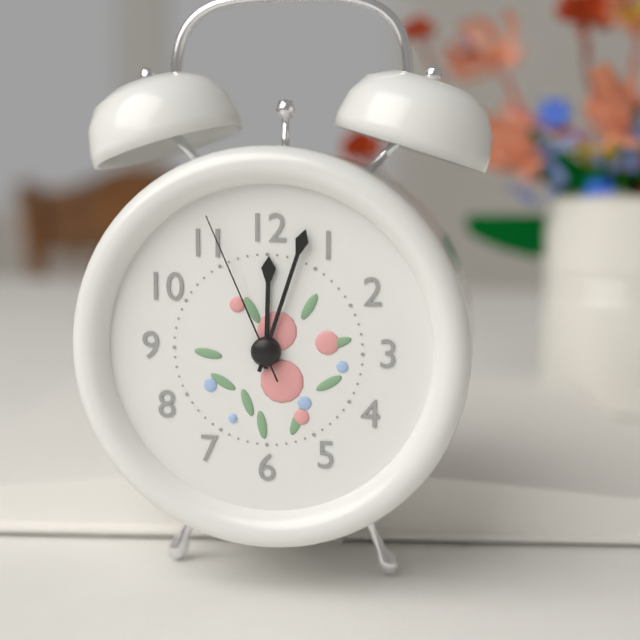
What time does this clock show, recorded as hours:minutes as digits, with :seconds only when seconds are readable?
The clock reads 12:03:56
